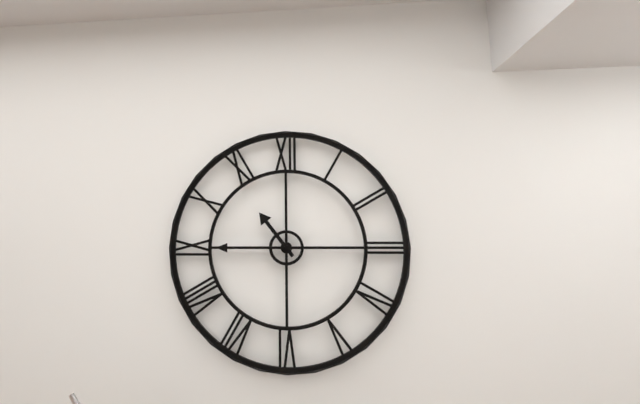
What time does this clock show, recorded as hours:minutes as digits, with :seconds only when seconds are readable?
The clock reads 10:45
